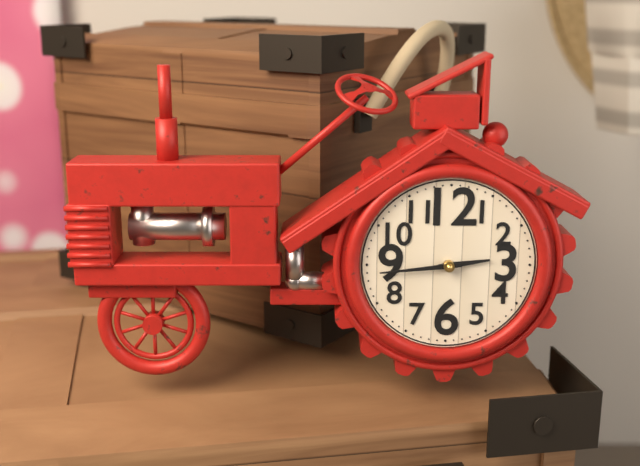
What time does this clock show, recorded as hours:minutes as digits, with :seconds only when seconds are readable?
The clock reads 2:44
